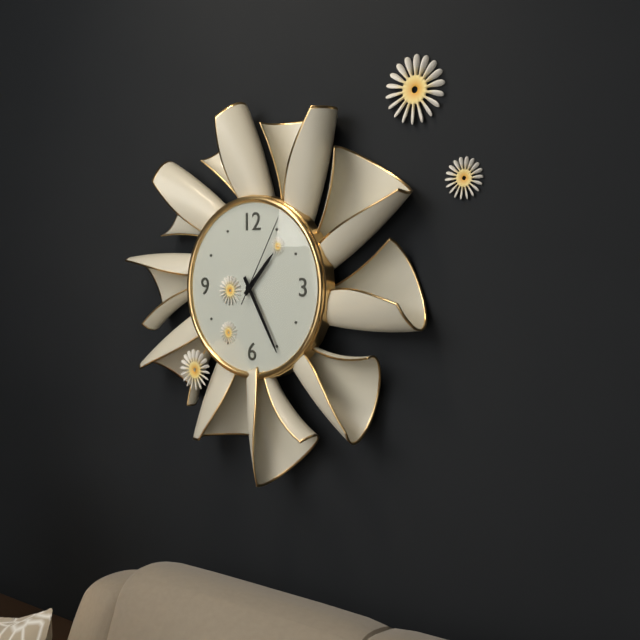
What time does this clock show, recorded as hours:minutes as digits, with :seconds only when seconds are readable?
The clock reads 1:25:05
